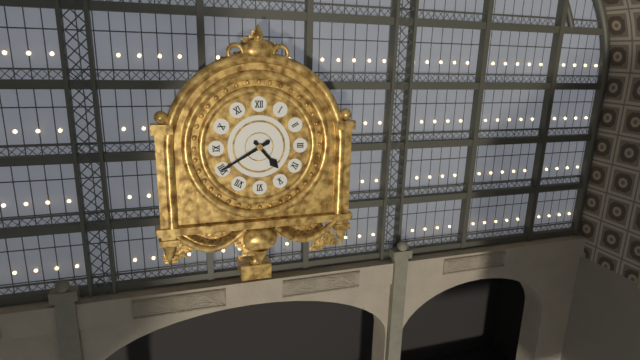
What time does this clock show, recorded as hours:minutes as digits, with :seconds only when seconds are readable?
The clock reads 4:40
